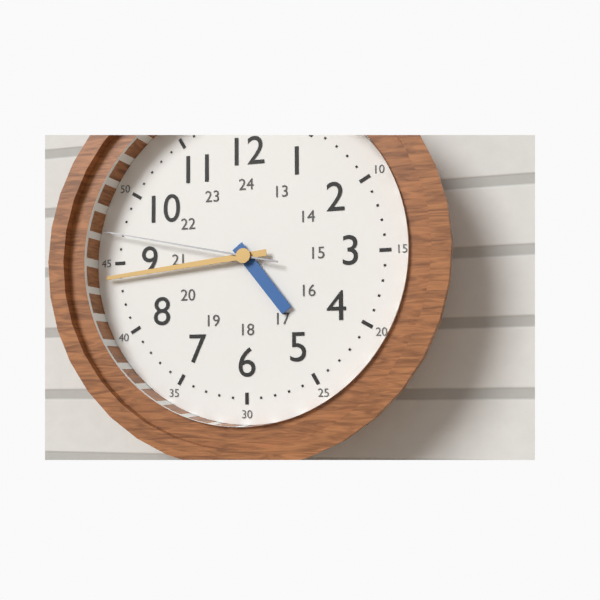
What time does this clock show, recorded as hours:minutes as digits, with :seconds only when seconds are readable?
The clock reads 4:44:47
